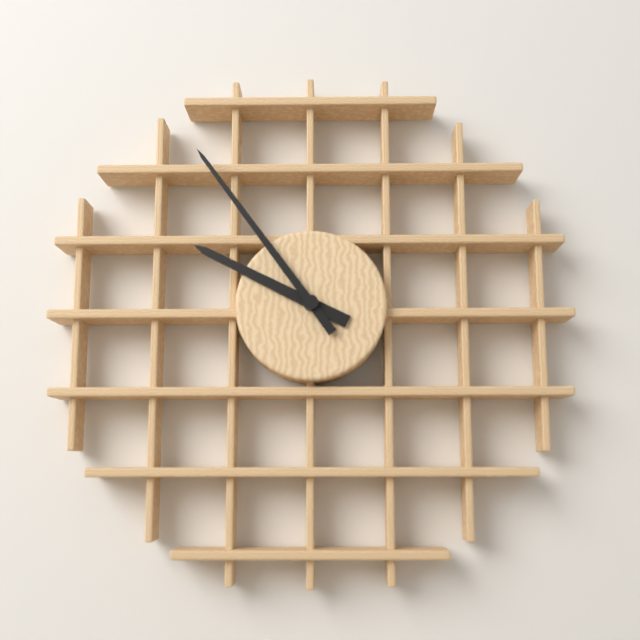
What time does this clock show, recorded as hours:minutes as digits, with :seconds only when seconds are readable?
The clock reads 9:54
